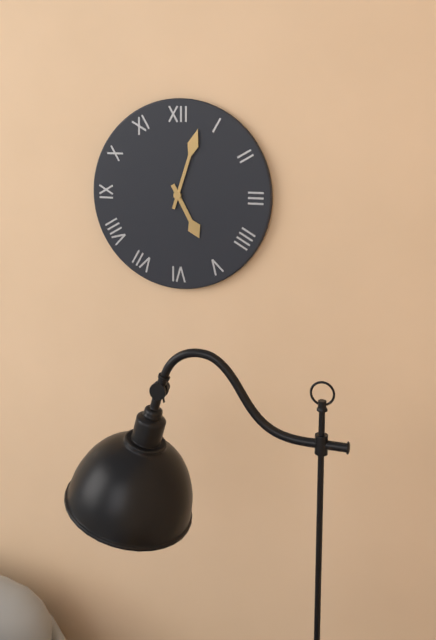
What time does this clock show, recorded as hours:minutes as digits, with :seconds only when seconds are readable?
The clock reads 5:03
